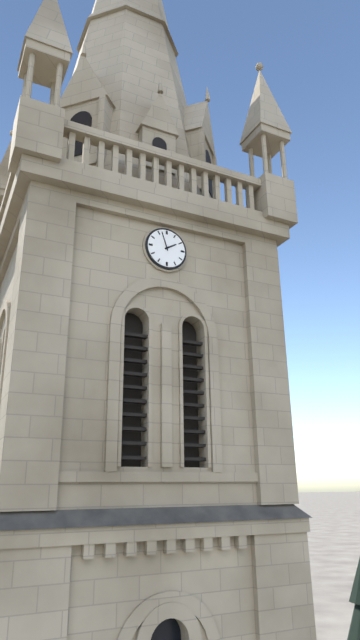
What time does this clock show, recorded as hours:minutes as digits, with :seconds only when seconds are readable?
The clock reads 1:57
